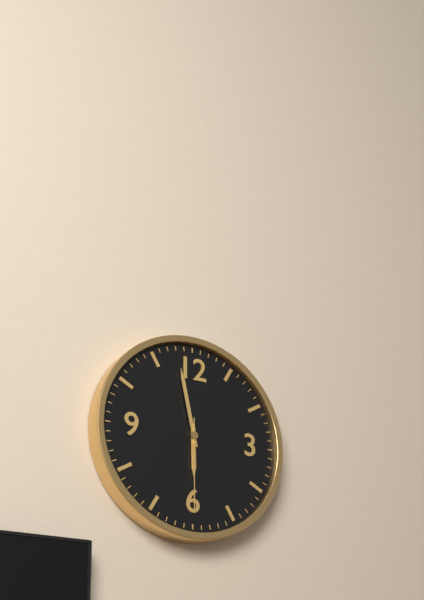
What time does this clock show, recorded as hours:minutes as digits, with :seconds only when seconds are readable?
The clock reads 5:58:30
